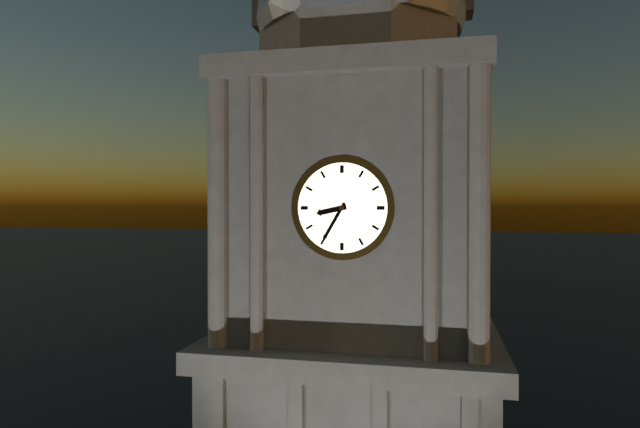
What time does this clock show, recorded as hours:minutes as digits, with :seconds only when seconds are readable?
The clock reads 8:35
